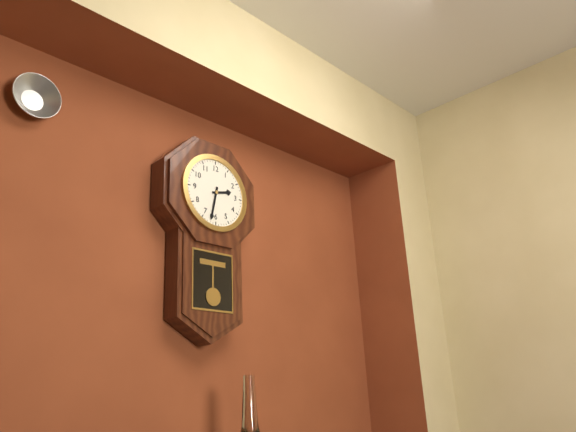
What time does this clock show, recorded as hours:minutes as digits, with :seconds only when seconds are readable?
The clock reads 2:32
